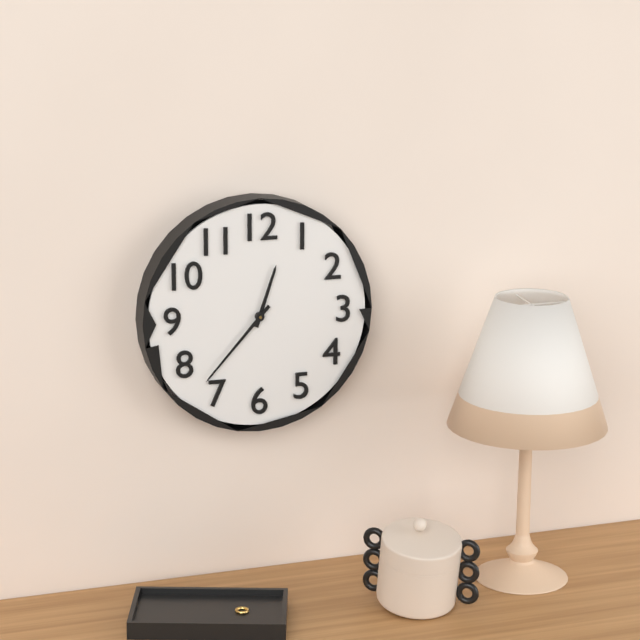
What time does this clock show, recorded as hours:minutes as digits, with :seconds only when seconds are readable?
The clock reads 12:37
